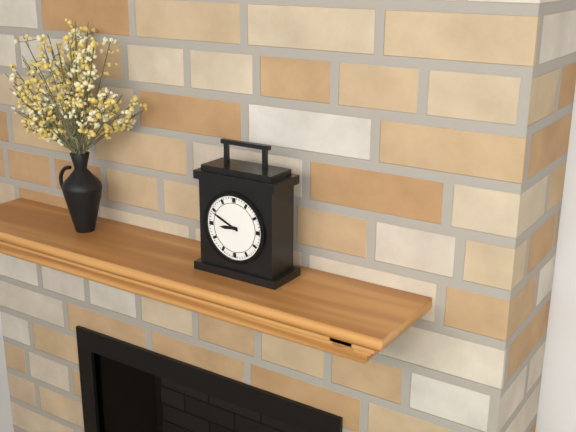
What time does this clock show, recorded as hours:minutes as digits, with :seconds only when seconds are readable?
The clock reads 8:49
